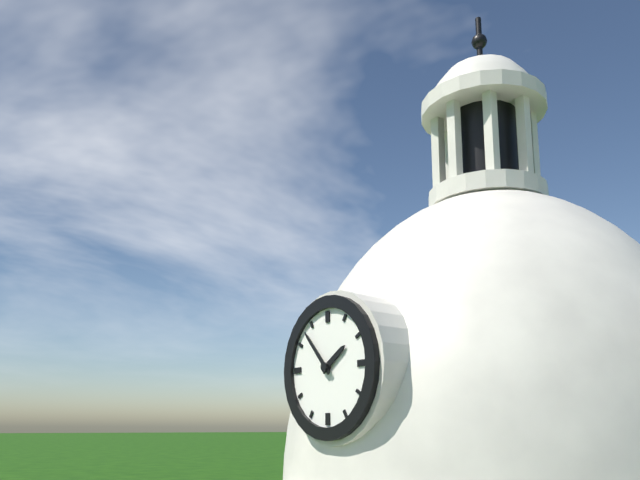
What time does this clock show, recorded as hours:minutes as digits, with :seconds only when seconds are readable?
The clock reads 1:53
